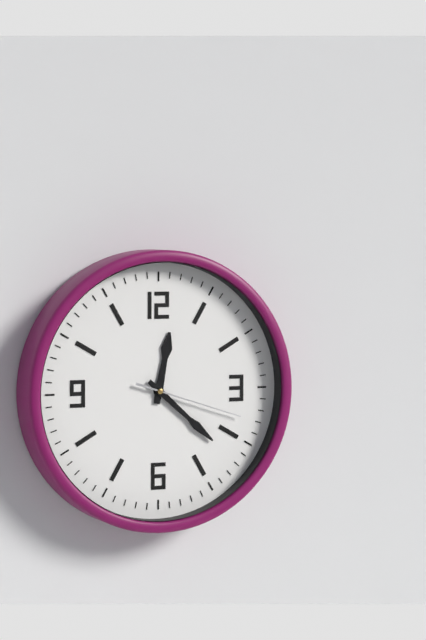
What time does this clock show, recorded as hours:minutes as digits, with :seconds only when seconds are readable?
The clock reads 12:22:18
